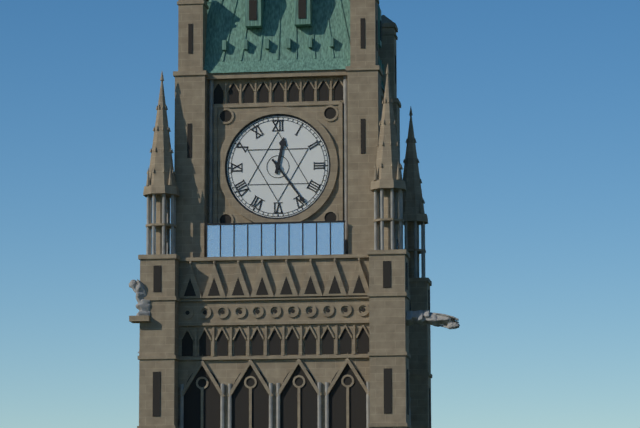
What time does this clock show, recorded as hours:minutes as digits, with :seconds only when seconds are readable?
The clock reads 12:24
